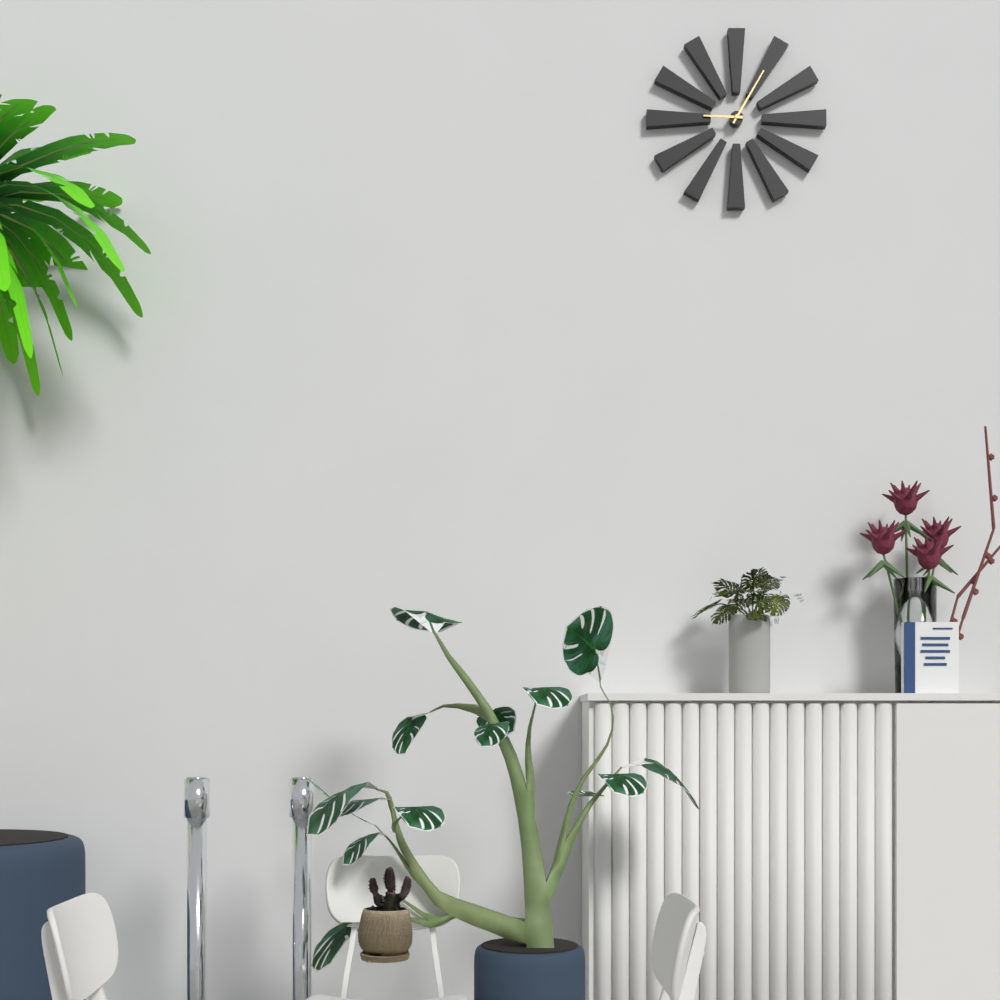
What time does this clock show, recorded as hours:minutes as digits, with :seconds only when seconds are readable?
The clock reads 9:05
